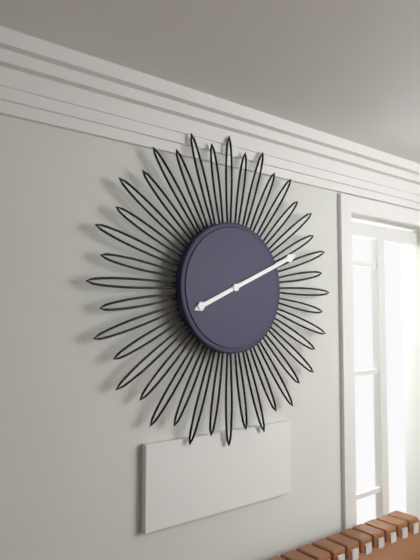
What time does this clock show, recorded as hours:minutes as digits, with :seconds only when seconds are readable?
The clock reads 8:11
